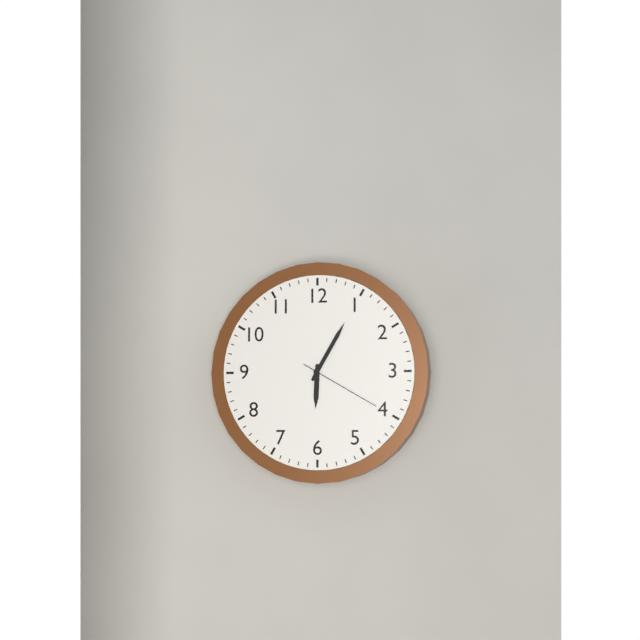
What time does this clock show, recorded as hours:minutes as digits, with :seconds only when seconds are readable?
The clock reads 6:05:20
